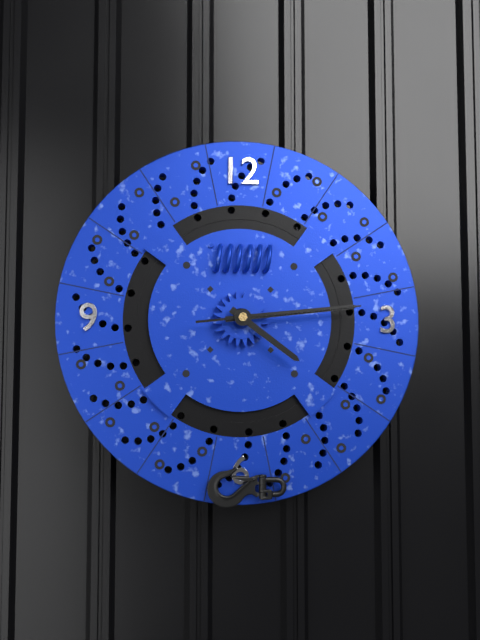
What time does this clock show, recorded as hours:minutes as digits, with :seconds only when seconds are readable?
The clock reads 4:14:14
